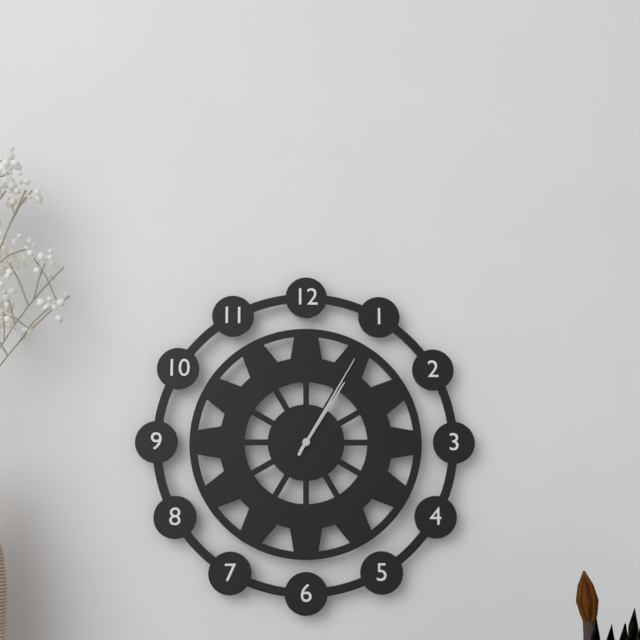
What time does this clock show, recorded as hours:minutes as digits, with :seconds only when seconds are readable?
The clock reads 1:05
